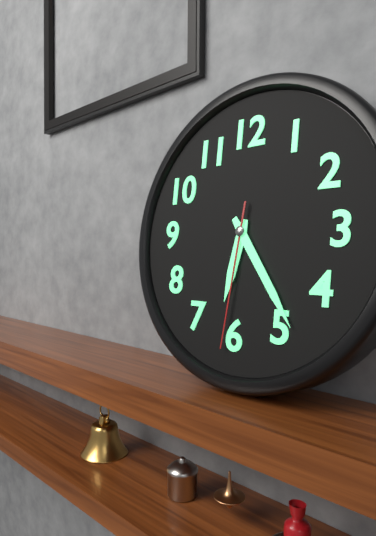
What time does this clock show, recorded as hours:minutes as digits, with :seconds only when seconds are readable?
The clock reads 6:24:31
